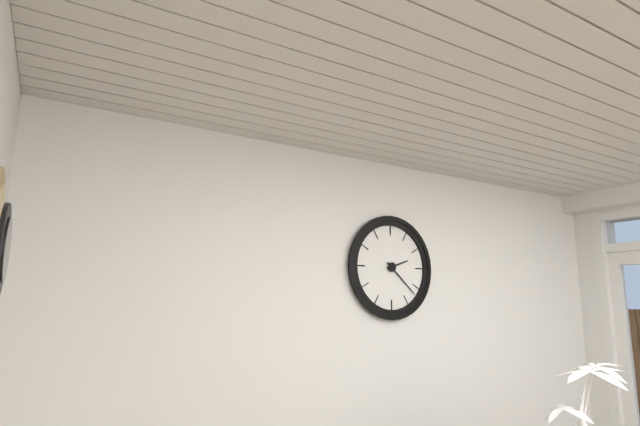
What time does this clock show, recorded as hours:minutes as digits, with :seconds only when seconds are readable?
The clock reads 2:22
